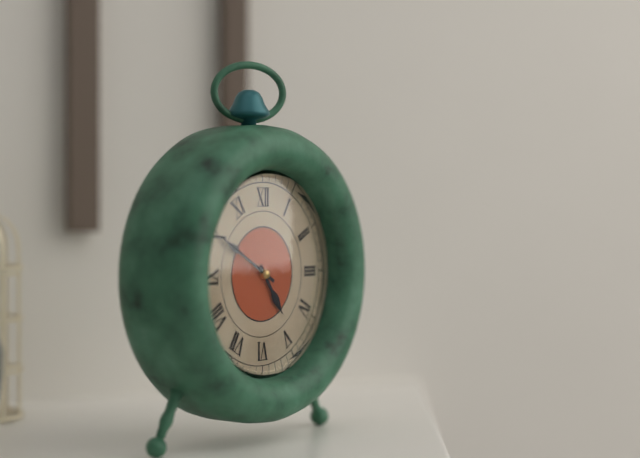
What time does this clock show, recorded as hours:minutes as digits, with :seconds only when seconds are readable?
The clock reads 4:50
